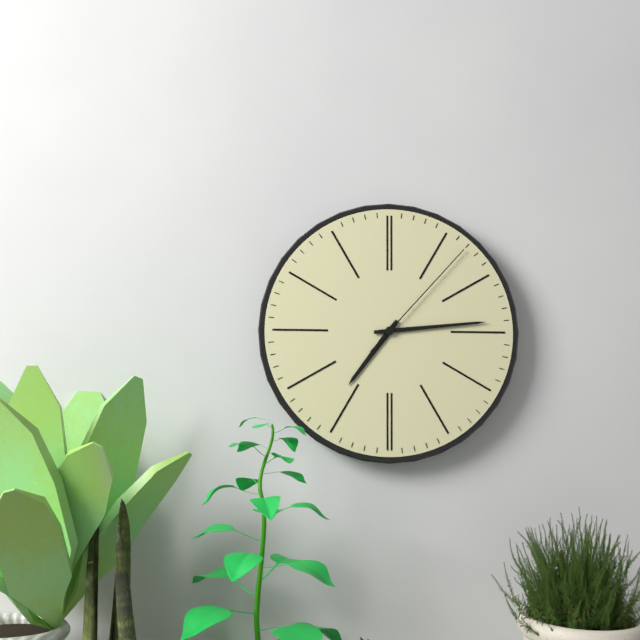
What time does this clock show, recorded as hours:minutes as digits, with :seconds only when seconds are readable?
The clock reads 7:14:07
